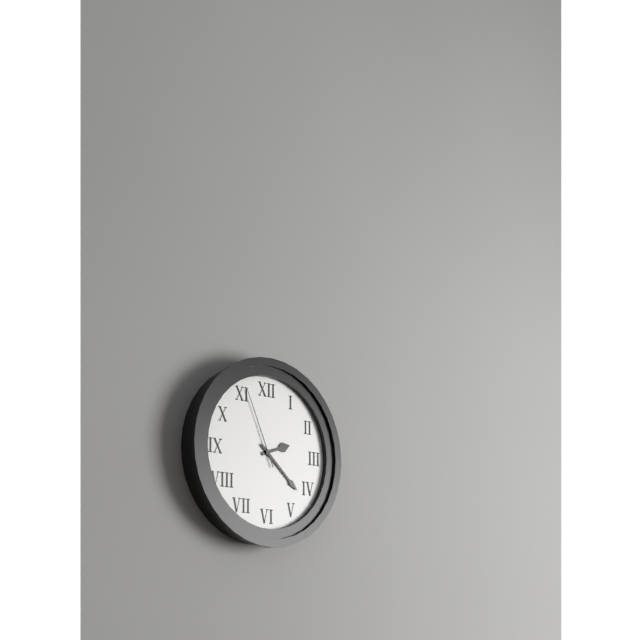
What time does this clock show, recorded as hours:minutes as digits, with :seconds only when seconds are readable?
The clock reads 2:22:56
